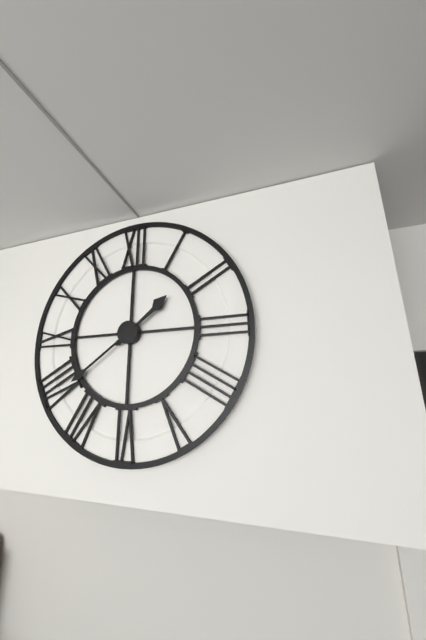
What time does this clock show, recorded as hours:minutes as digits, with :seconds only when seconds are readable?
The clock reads 1:39
